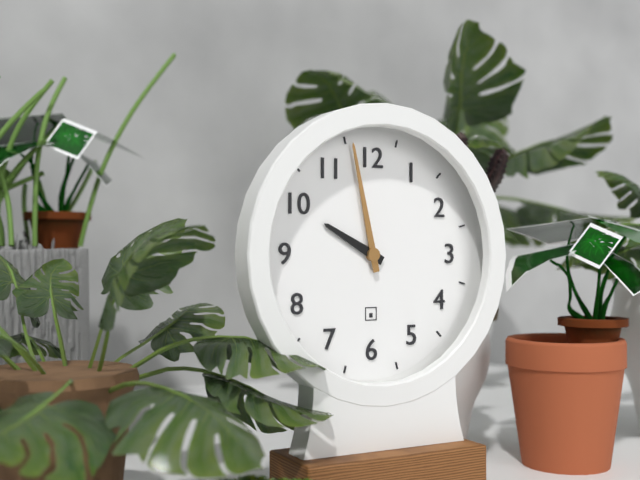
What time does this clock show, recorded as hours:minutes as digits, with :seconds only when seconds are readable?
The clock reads 9:58
